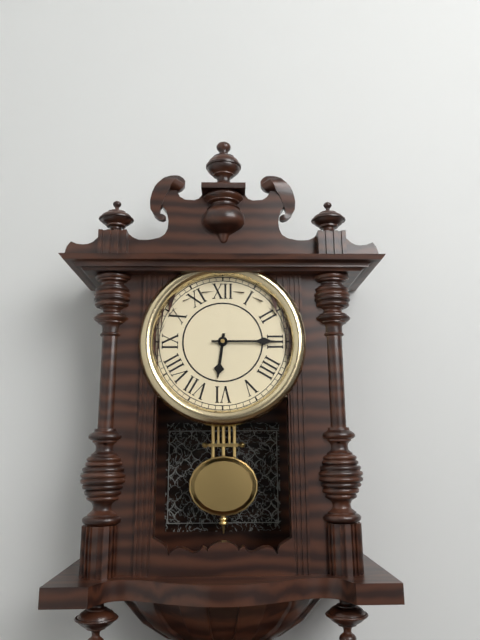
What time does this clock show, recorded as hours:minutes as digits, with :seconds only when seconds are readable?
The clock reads 6:15
